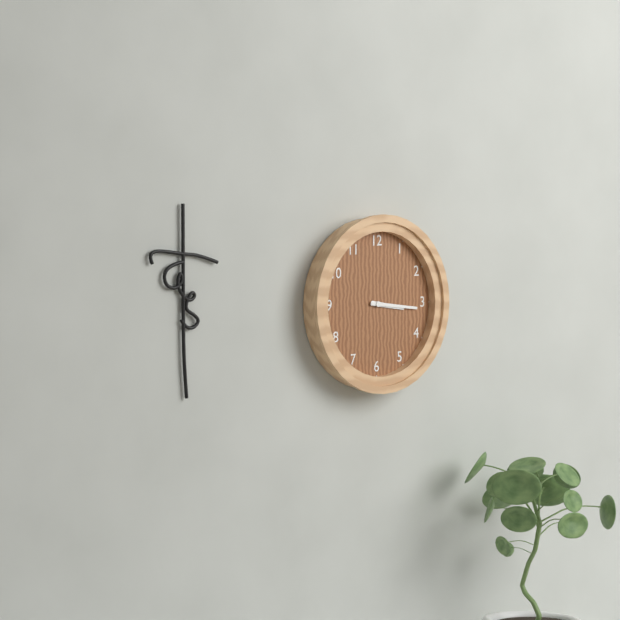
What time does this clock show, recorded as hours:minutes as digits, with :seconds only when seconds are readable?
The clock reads 3:16
